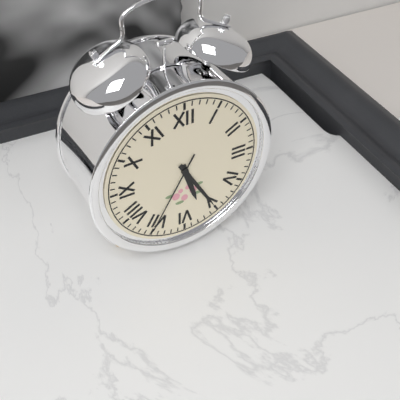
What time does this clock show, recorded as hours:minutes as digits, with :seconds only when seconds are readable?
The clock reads 5:25:35
